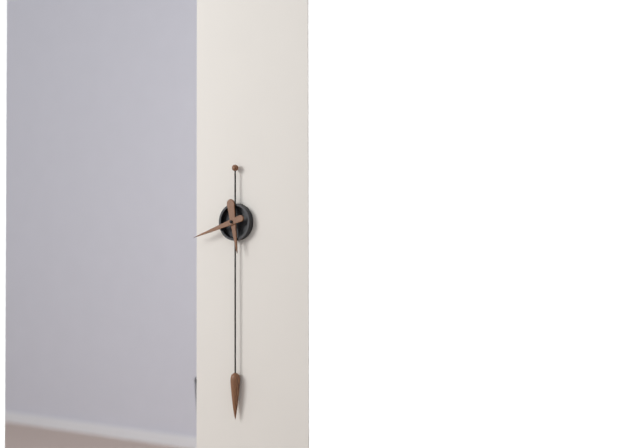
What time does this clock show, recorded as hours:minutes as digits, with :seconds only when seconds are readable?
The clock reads 5:42
